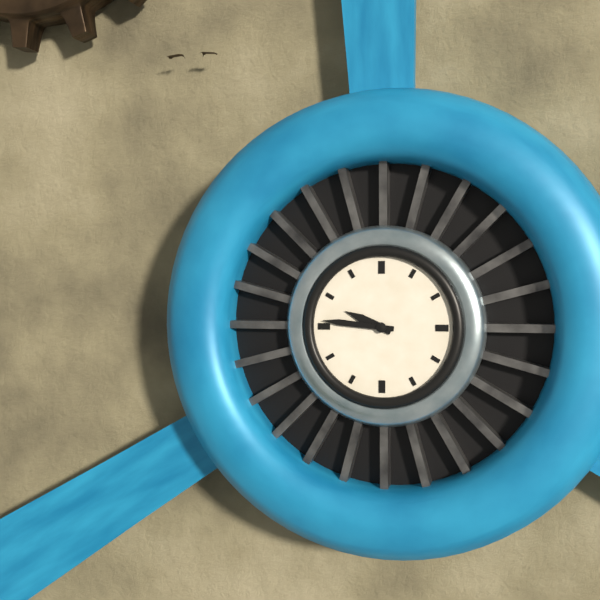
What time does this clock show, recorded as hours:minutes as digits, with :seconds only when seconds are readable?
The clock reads 9:46
